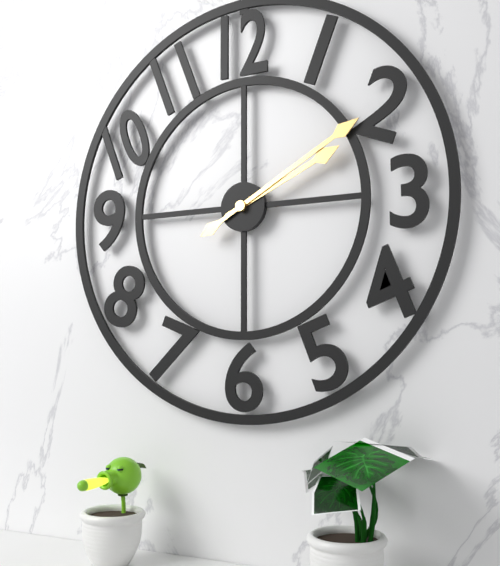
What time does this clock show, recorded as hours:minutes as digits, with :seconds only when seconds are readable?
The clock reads 2:10
